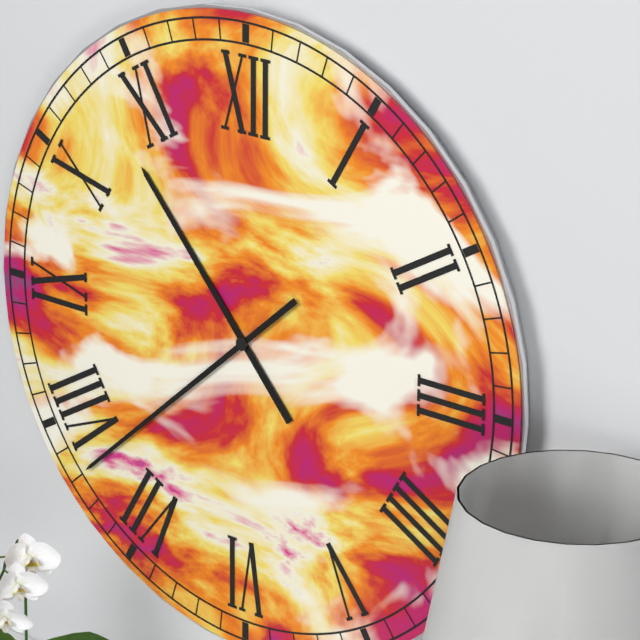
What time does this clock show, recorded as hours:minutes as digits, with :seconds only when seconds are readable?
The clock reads 10:38
